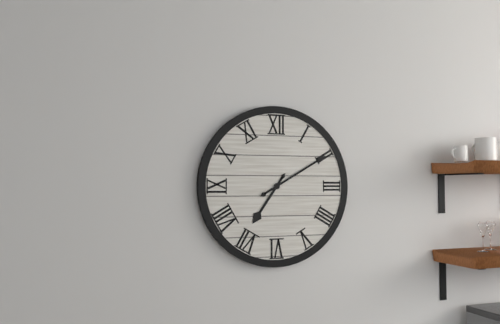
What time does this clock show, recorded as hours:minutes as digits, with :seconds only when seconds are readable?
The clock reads 7:10
